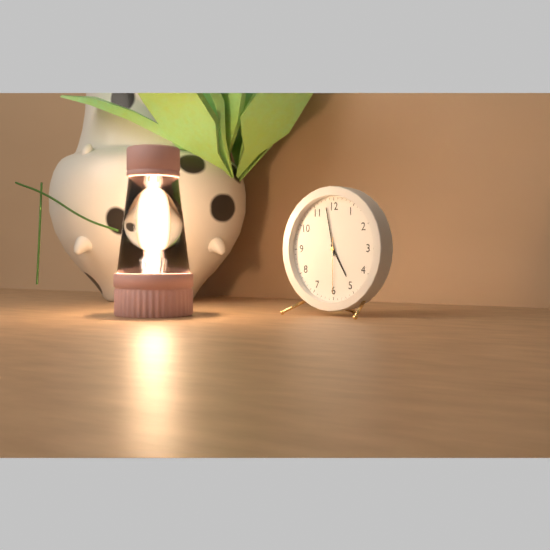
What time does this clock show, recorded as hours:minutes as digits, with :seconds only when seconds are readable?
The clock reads 4:58:30
